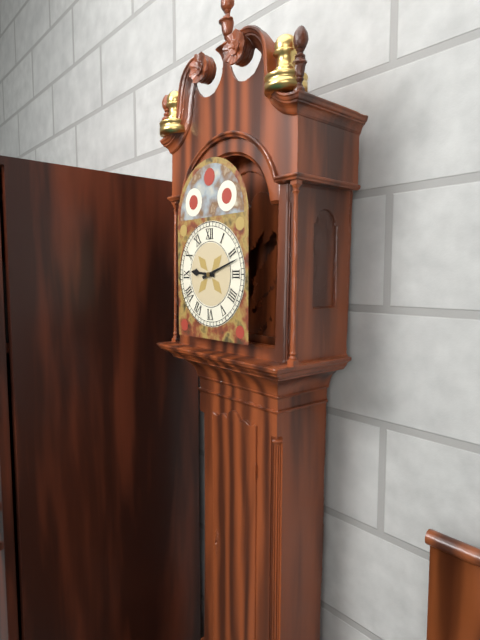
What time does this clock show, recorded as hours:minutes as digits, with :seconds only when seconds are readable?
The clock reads 9:12
